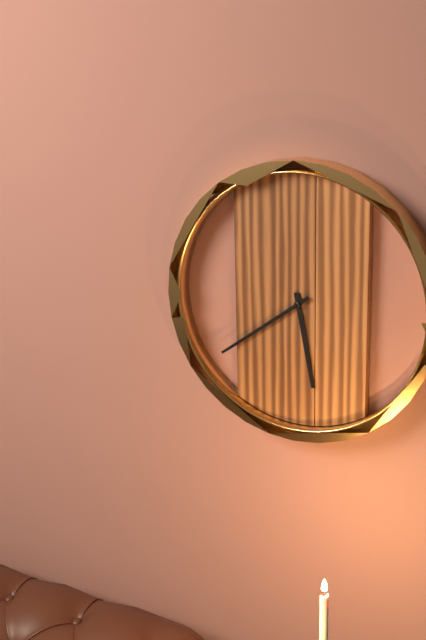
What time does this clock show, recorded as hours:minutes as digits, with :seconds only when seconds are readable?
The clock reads 5:39
